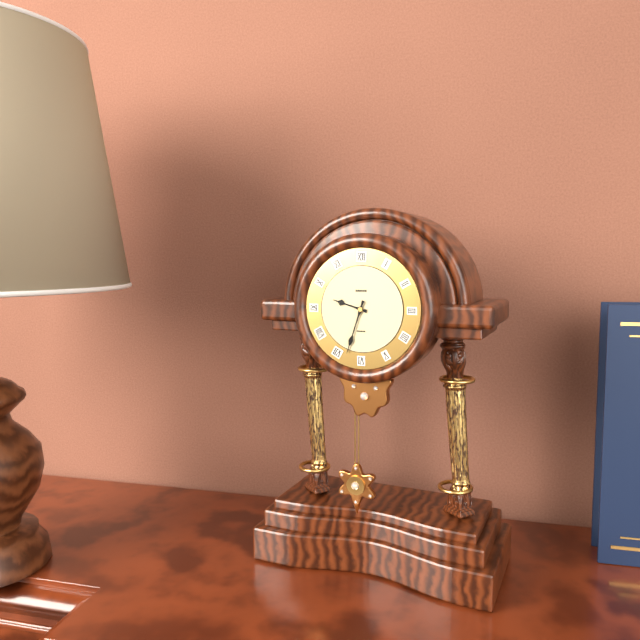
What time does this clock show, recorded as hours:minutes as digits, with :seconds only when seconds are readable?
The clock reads 9:33
